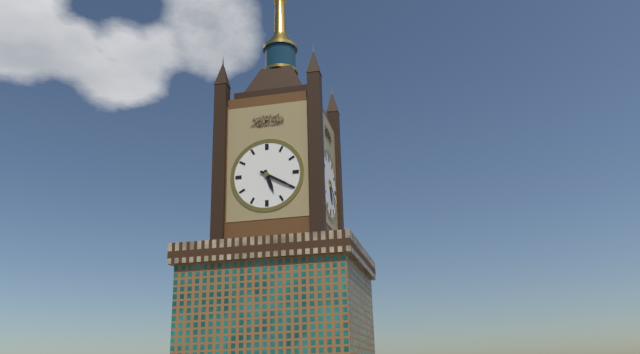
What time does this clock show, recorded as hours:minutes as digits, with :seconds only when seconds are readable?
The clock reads 5:20
